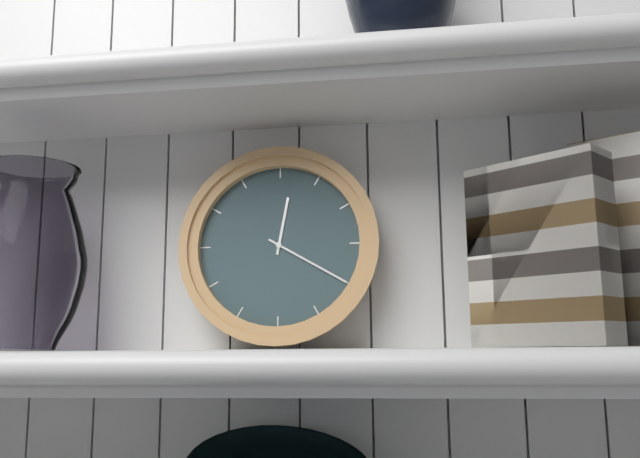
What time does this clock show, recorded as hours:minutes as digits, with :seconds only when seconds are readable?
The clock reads 12:20
